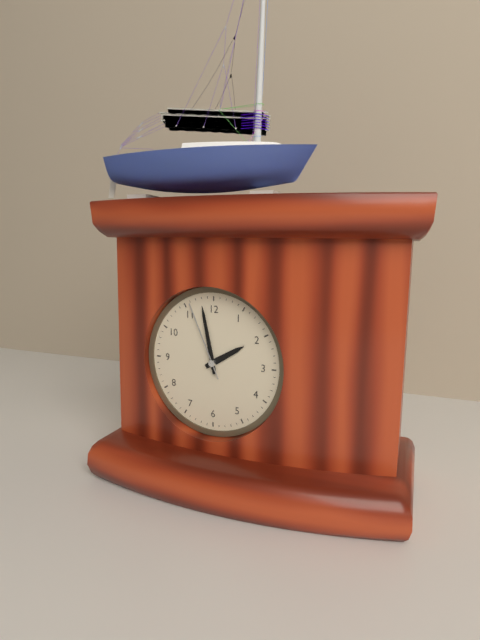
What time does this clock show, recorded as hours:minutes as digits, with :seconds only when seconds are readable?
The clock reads 1:58:56
